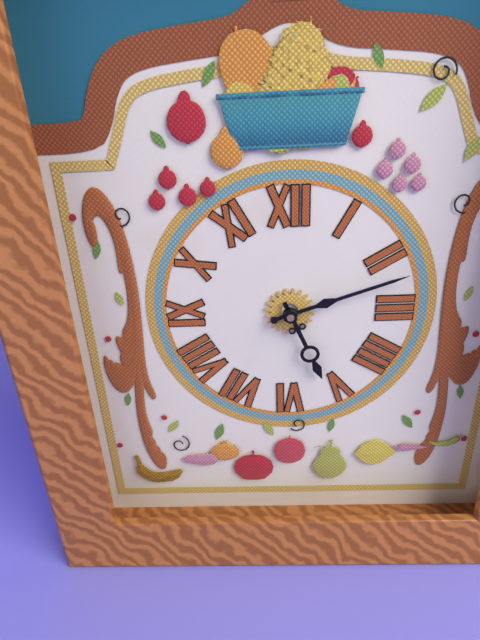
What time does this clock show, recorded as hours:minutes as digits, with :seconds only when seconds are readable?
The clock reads 5:12
